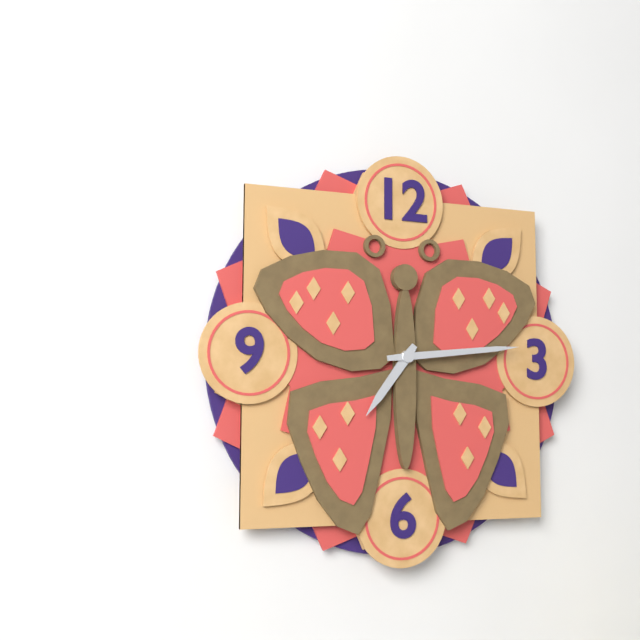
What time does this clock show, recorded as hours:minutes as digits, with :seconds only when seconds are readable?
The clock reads 7:14
